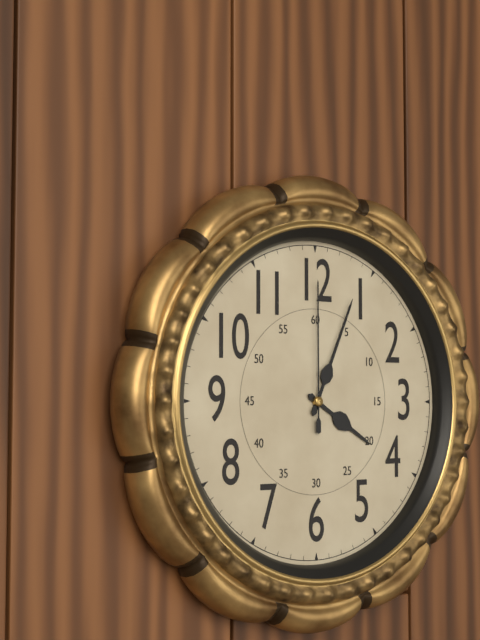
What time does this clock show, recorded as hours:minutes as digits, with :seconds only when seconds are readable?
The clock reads 4:04:00
